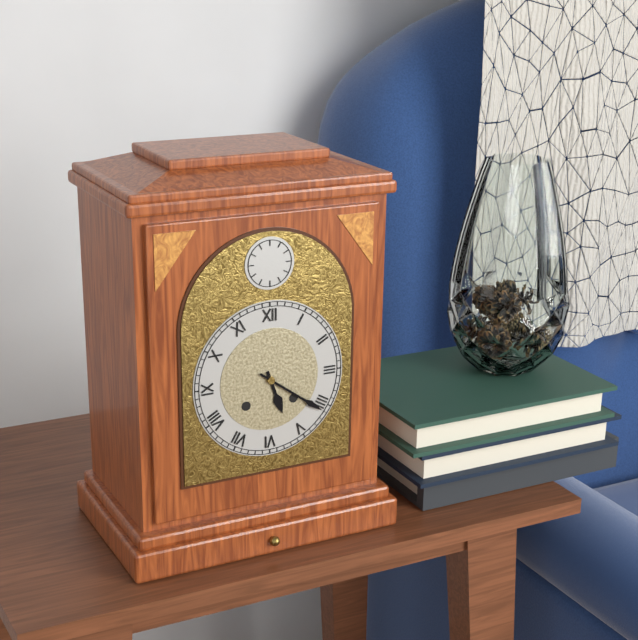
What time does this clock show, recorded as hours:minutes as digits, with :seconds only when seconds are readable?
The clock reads 5:21
